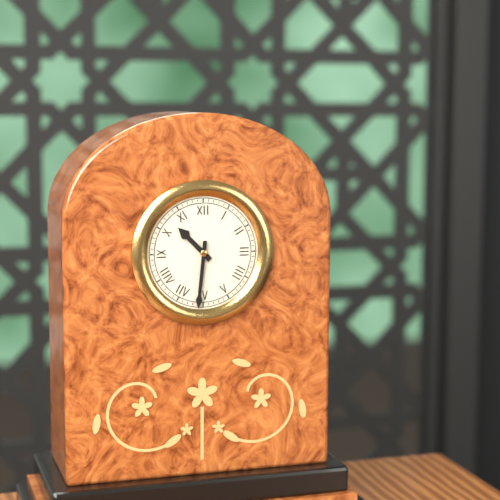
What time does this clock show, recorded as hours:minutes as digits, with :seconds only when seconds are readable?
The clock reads 10:31
